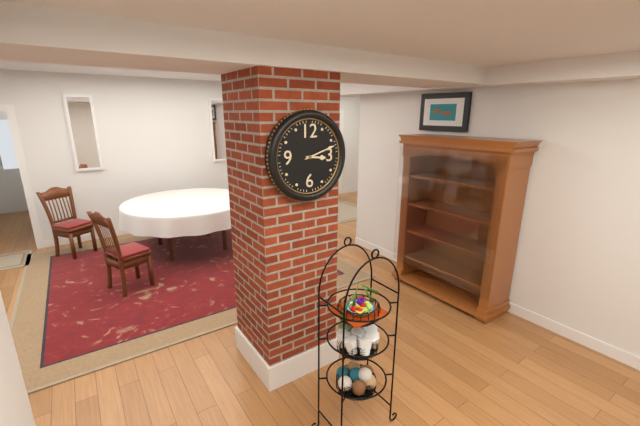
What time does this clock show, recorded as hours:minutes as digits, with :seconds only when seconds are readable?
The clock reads 3:12
